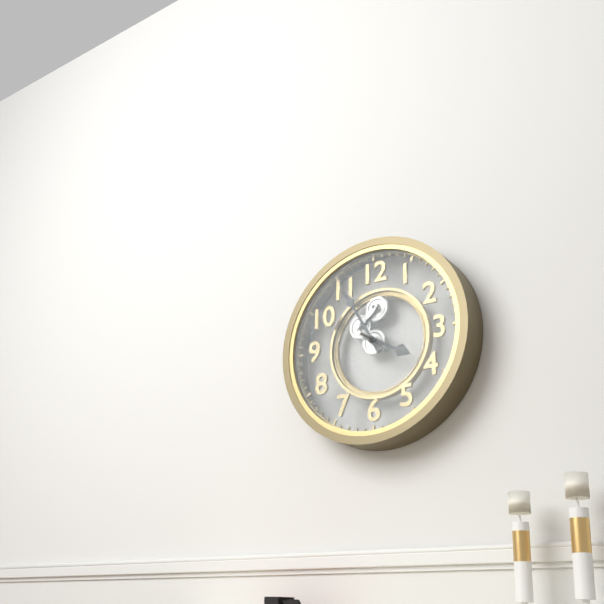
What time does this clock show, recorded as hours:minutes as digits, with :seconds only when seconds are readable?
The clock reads 3:55
